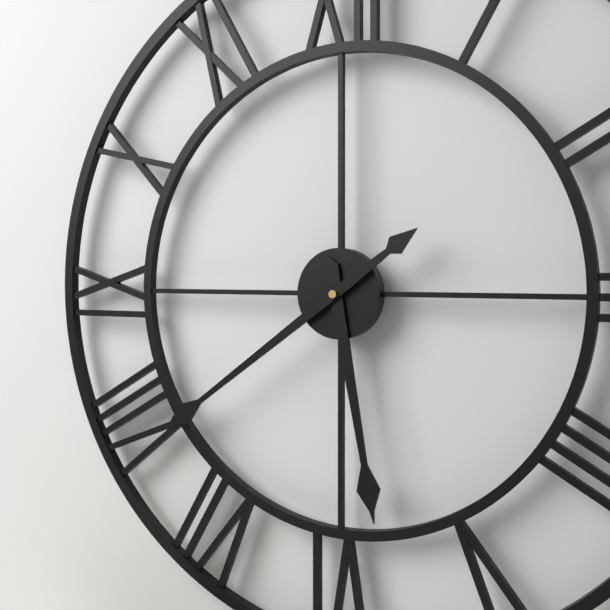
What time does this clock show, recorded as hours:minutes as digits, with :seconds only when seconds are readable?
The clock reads 5:39
